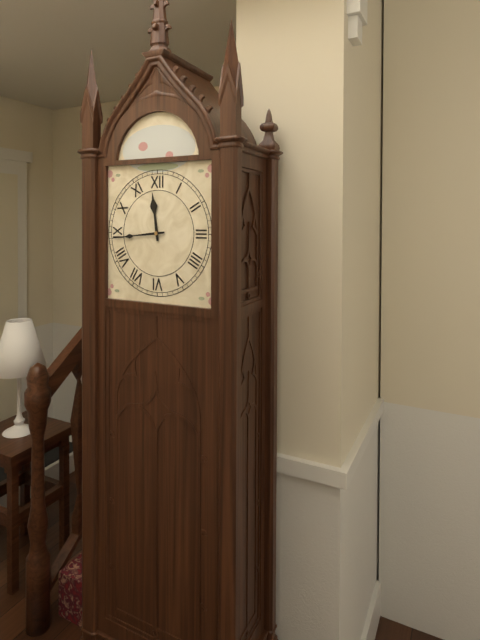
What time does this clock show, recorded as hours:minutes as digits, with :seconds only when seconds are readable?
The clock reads 11:44
